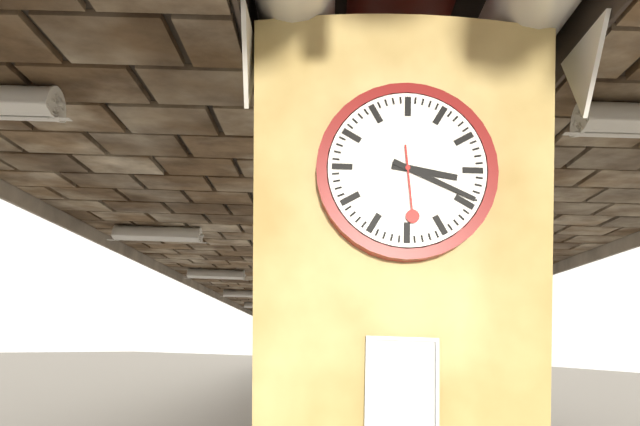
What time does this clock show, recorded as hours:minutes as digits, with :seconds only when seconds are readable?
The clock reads 3:19:29
